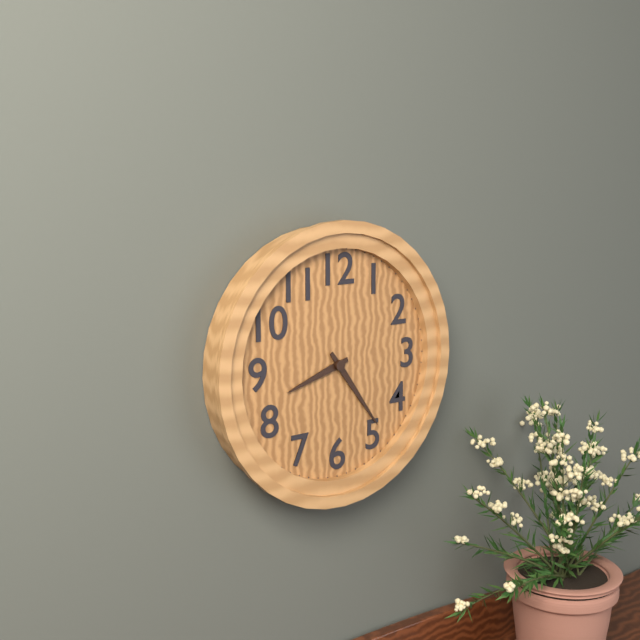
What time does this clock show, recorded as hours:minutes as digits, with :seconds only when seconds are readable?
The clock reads 8:24
